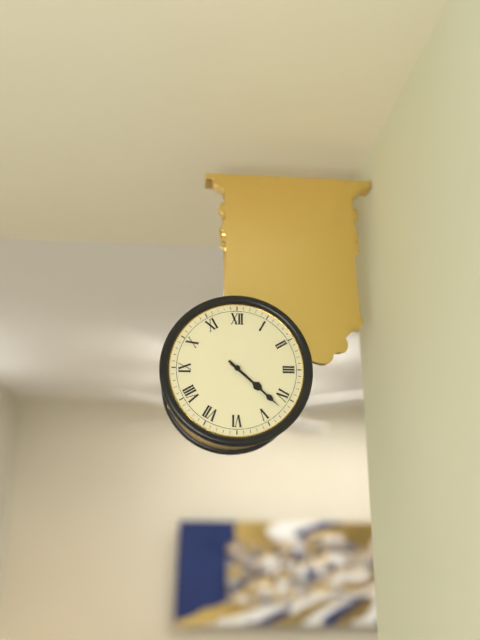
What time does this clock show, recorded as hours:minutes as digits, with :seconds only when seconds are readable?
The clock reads 4:22
